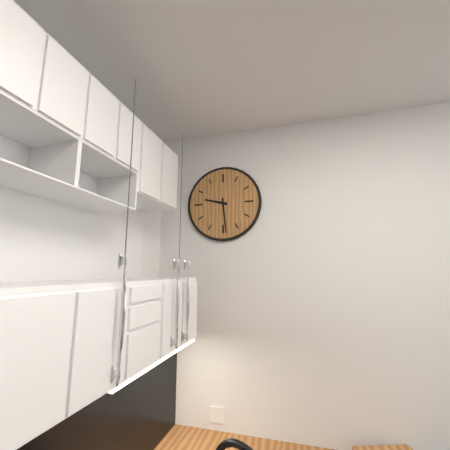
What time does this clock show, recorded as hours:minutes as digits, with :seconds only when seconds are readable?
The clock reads 9:29
